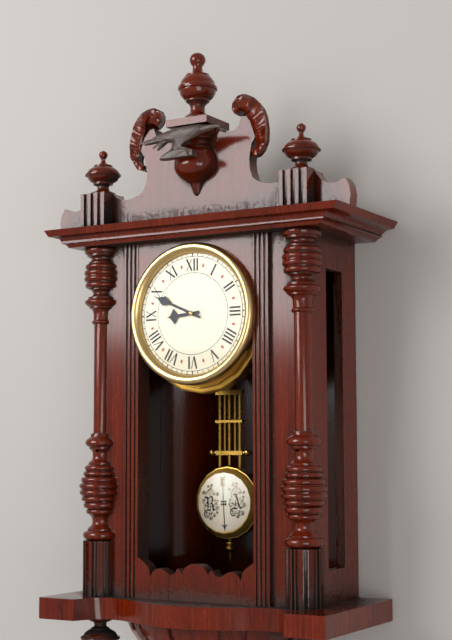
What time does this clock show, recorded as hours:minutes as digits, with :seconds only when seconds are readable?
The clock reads 8:49
